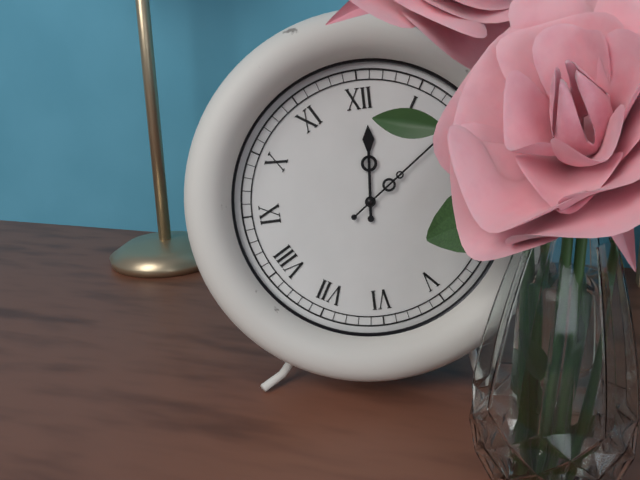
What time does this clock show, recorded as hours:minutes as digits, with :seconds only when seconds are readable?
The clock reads 12:09
